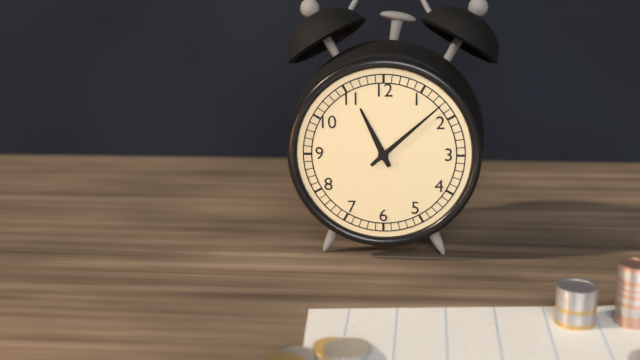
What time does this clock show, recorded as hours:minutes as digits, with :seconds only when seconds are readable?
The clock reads 11:08
